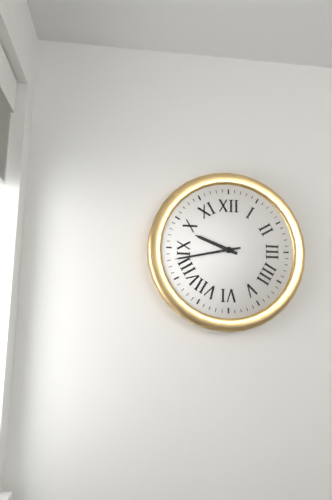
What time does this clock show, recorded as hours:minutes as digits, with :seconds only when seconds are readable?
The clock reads 9:43
